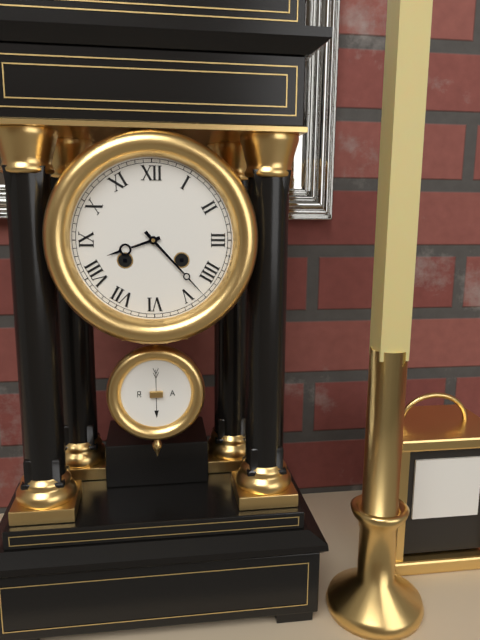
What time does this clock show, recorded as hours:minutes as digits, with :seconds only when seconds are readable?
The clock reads 8:23
